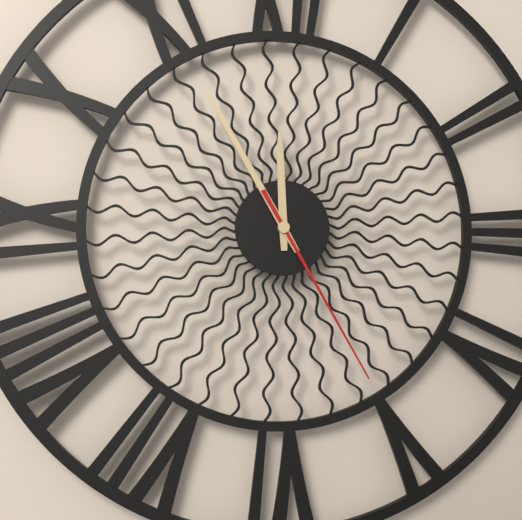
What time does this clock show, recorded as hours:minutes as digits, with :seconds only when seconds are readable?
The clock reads 11:55:25
